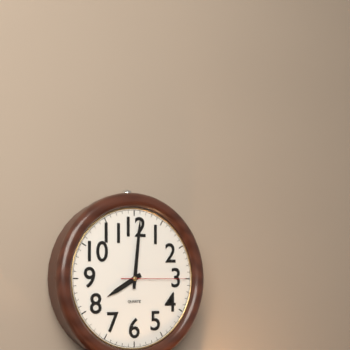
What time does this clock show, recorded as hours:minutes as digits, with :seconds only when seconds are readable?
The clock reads 8:01:15
